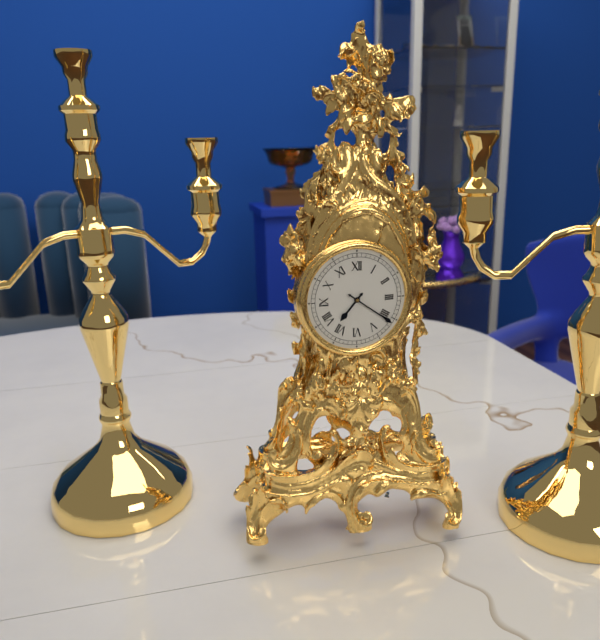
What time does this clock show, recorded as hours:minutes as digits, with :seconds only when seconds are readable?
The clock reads 7:21
